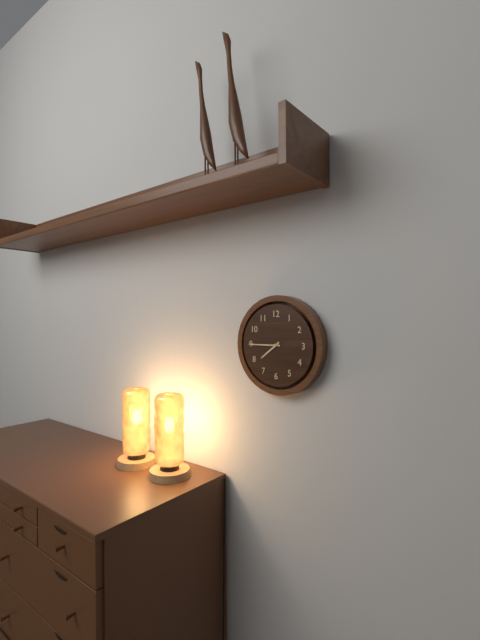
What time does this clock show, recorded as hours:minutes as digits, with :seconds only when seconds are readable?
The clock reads 7:45
